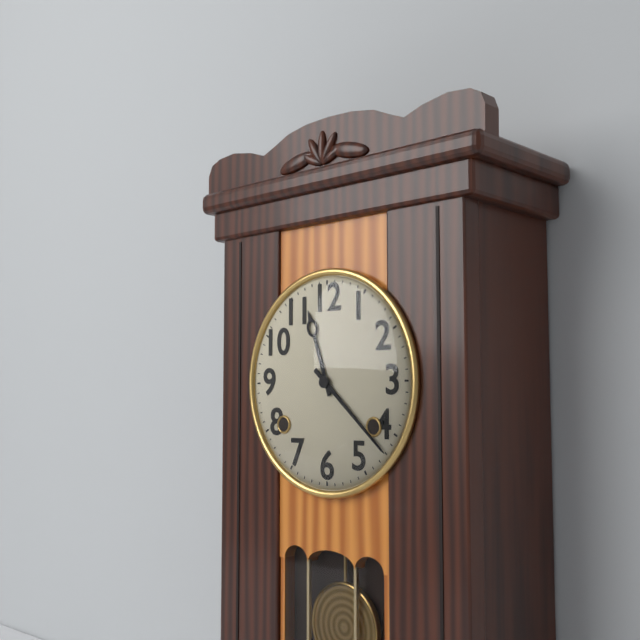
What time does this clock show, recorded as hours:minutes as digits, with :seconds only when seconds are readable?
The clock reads 11:22
